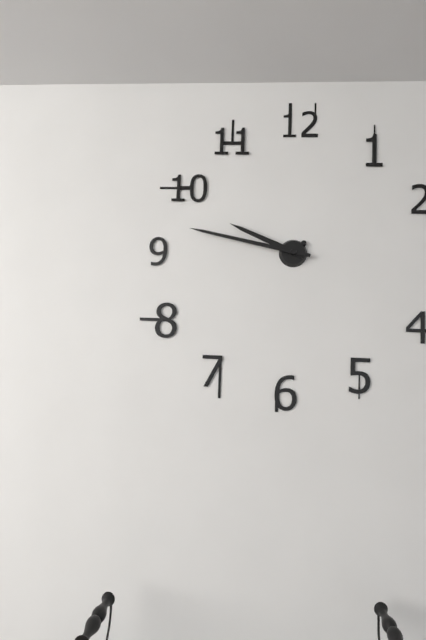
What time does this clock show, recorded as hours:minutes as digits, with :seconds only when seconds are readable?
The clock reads 9:47
